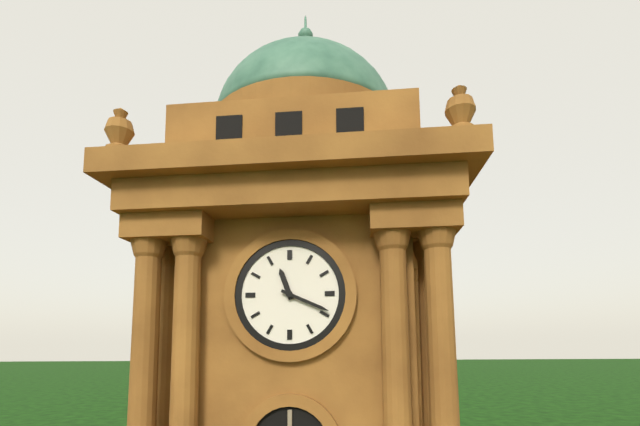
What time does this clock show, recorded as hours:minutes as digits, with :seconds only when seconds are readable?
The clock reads 11:19
